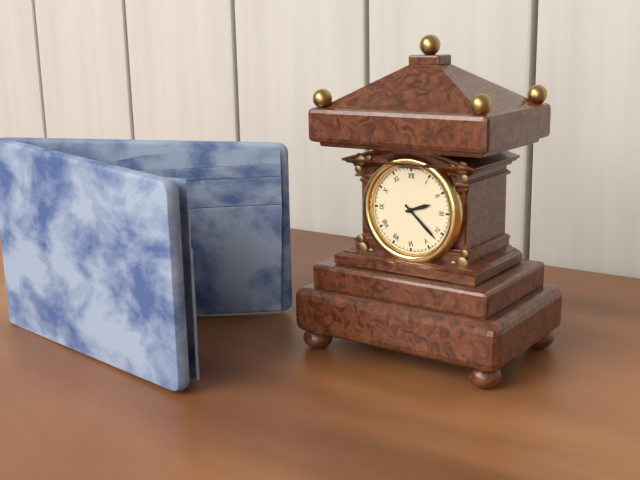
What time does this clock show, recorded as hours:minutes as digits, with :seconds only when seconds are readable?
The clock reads 2:22
